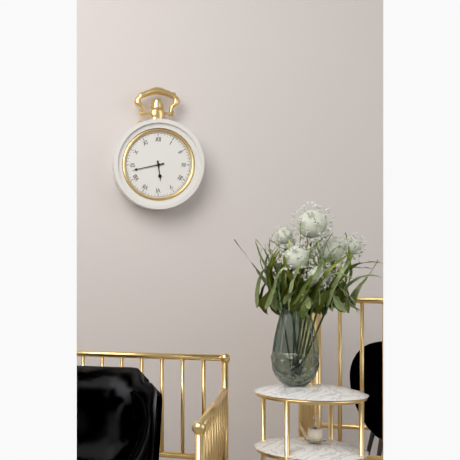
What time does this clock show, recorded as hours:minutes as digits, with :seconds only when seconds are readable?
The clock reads 5:43
